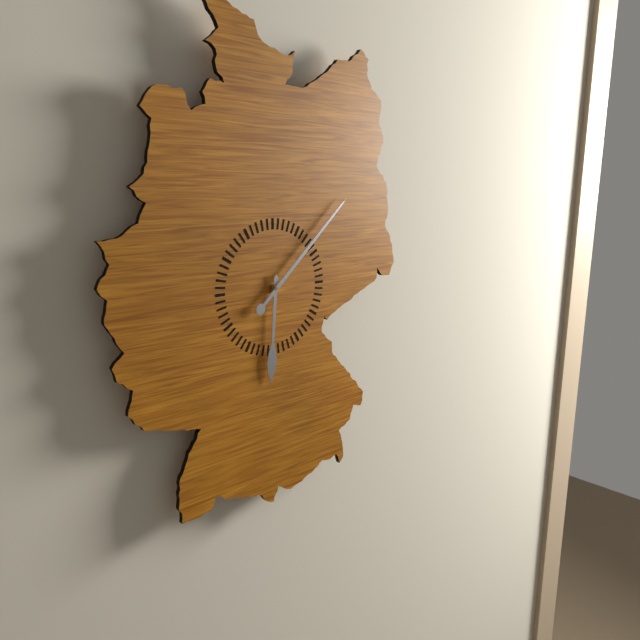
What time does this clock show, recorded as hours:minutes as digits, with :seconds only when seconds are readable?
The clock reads 6:08
